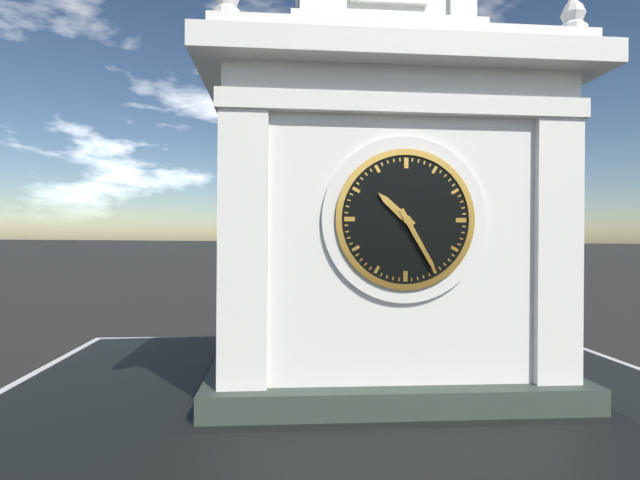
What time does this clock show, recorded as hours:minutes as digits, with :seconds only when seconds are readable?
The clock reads 10:25
